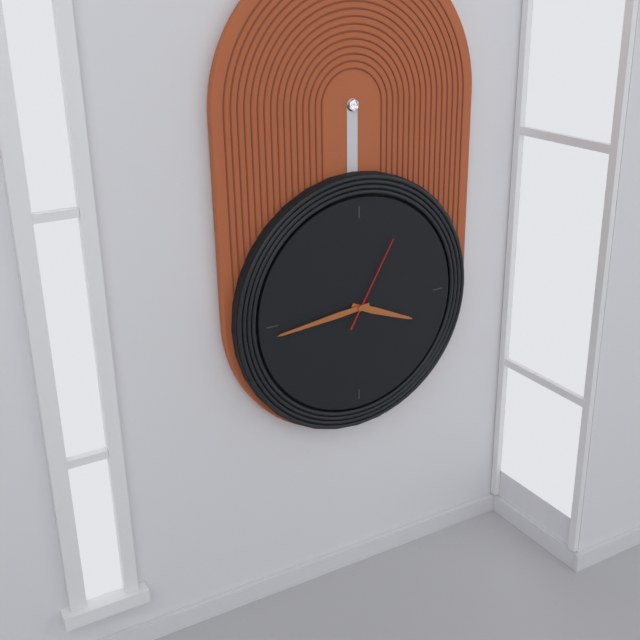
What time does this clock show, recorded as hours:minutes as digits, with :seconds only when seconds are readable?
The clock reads 3:44:05
